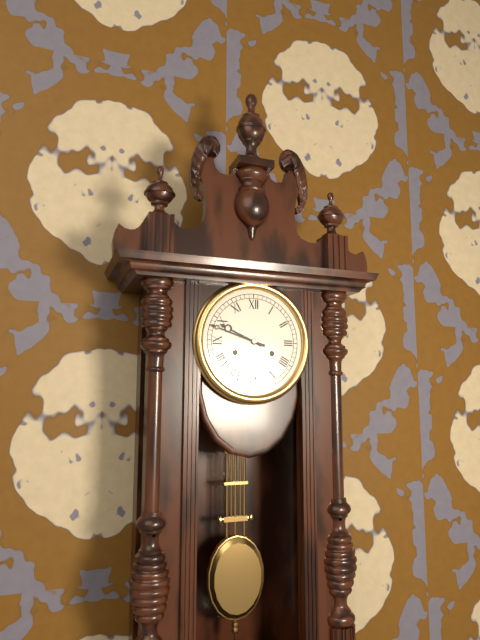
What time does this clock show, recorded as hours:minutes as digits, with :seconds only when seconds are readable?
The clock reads 9:48
